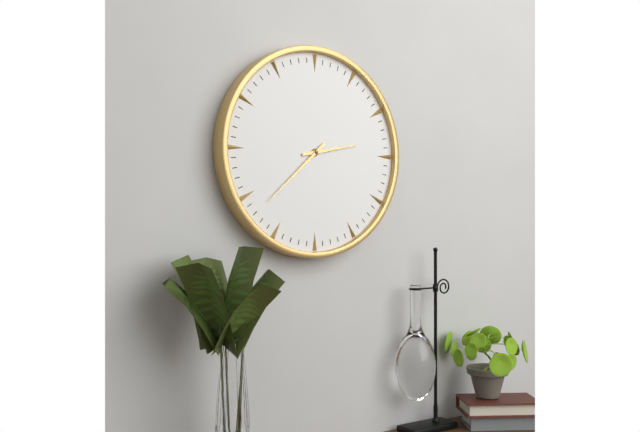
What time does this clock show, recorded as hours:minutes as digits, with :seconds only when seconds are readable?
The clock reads 2:38
